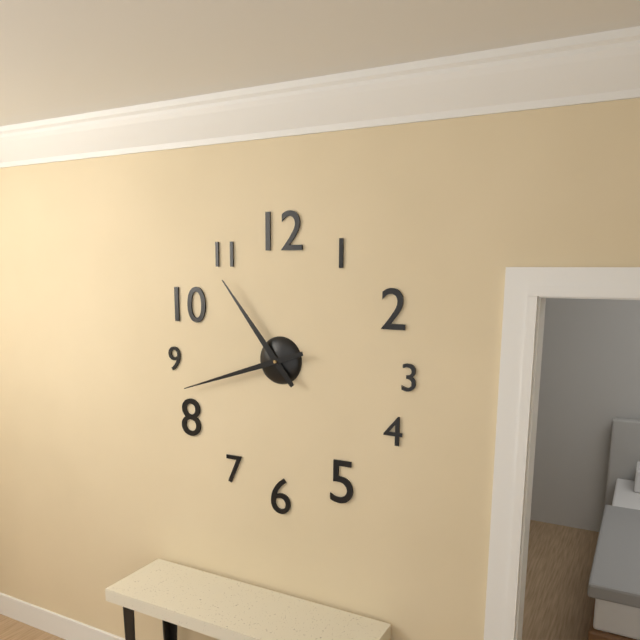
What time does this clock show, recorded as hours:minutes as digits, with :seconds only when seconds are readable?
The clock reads 10:42
